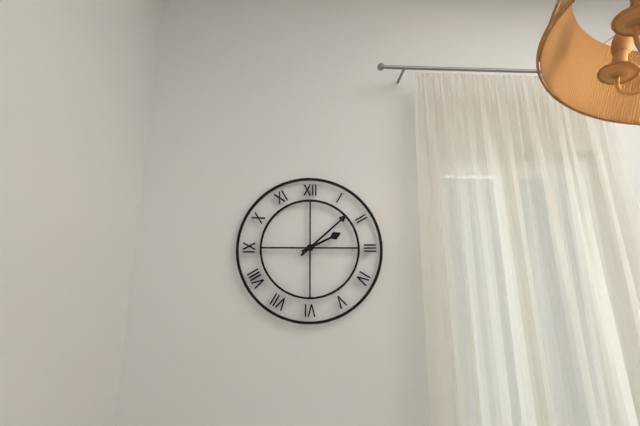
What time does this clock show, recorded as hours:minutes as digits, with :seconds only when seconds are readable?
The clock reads 2:08
